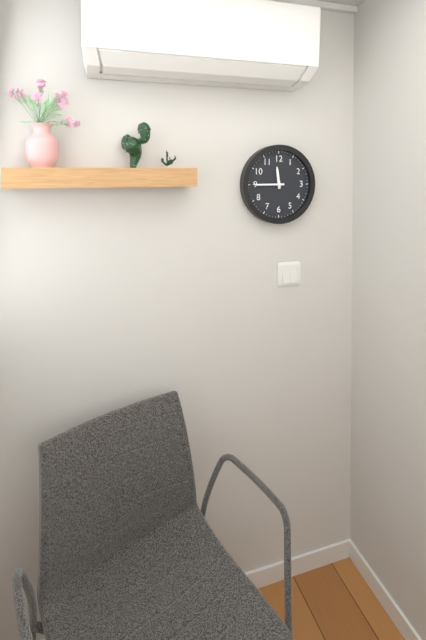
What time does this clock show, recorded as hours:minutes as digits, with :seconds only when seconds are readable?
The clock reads 11:45
